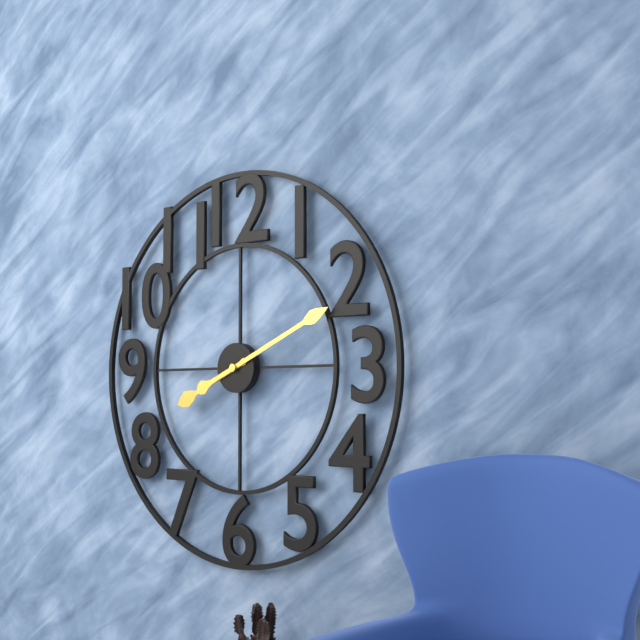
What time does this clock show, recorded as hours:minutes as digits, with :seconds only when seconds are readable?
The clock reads 8:11
